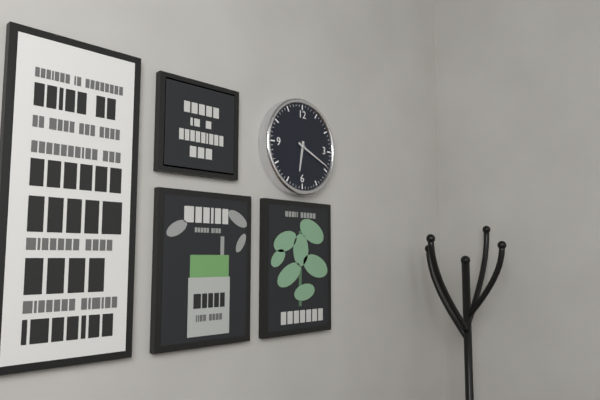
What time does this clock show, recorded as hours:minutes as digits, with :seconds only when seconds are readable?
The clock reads 6:19
